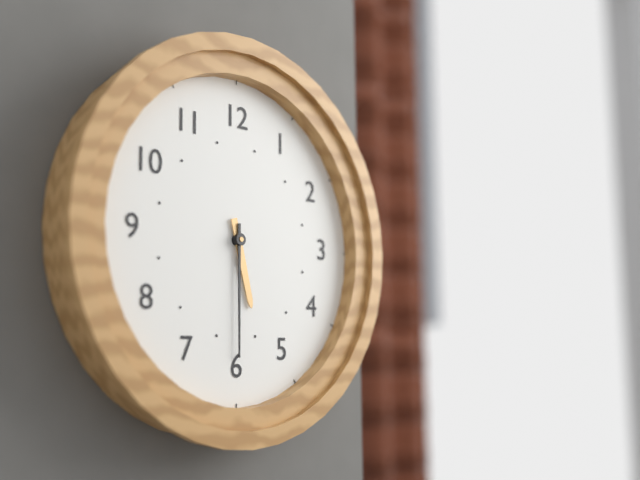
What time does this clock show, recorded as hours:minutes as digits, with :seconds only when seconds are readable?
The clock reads 5:30
